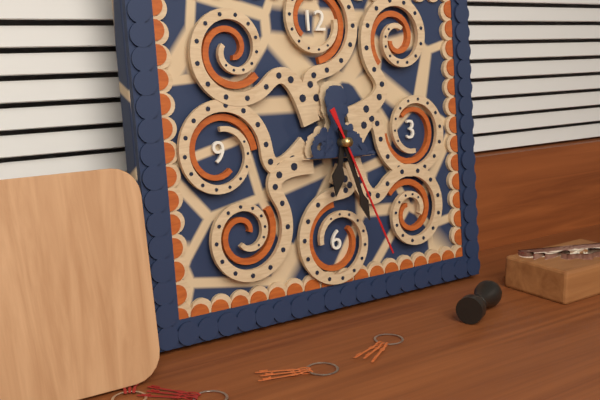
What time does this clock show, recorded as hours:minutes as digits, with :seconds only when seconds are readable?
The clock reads 6:27:26
